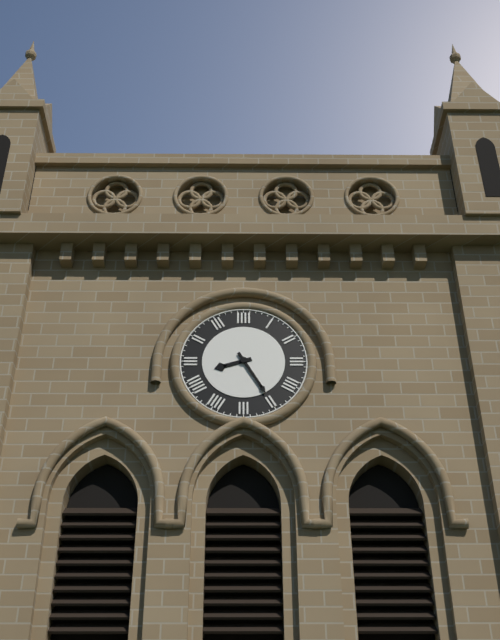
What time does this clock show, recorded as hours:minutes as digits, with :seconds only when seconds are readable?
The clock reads 8:25
